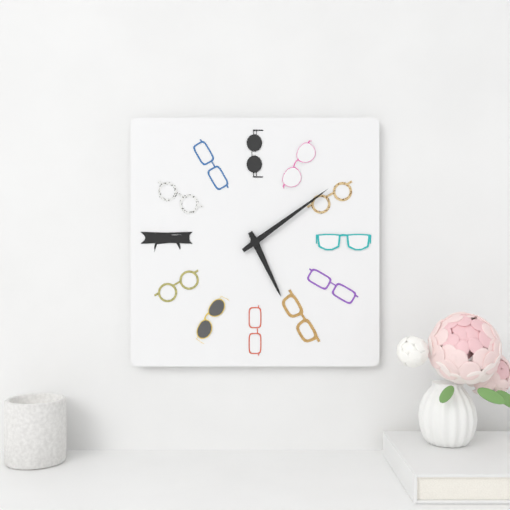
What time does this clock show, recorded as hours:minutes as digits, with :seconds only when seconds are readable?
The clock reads 5:09
